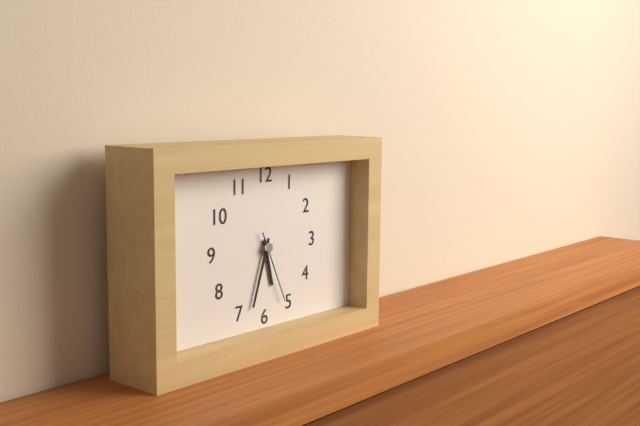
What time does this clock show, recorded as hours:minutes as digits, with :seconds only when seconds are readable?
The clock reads 5:33:26
